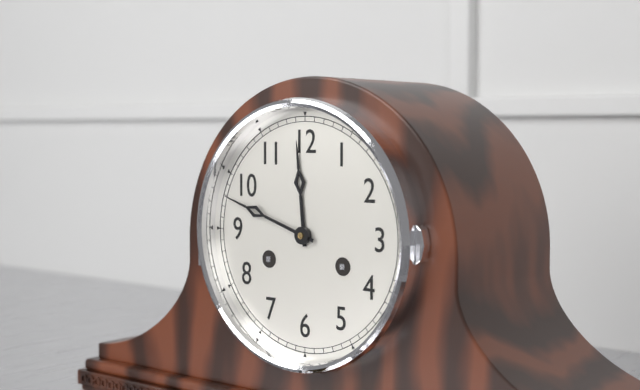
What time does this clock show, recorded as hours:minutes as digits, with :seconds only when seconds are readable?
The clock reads 11:48
